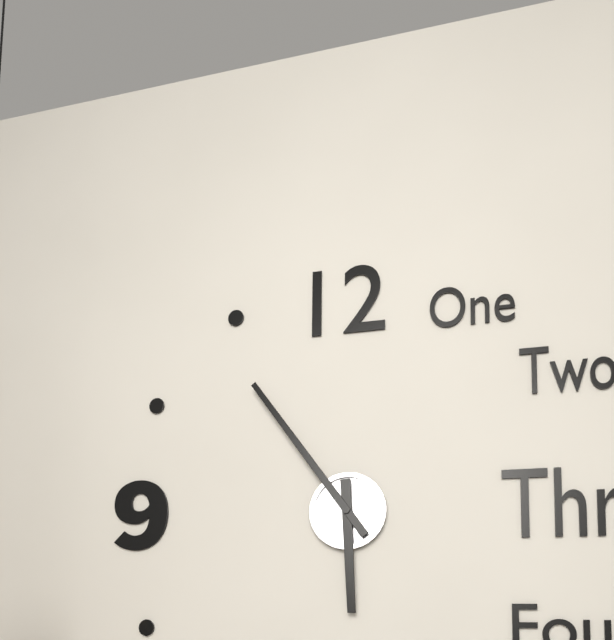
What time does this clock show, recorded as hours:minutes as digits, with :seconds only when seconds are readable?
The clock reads 5:54
